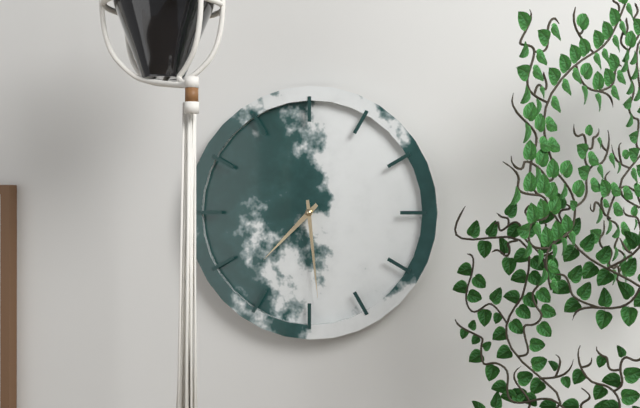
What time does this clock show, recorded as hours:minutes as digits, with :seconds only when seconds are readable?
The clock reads 7:29
